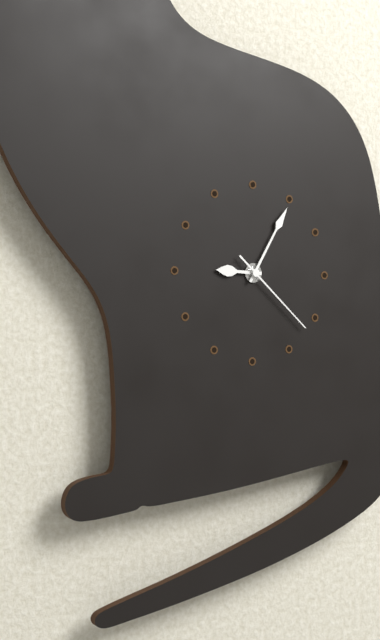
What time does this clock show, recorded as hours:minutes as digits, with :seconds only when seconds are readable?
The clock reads 9:05:22
